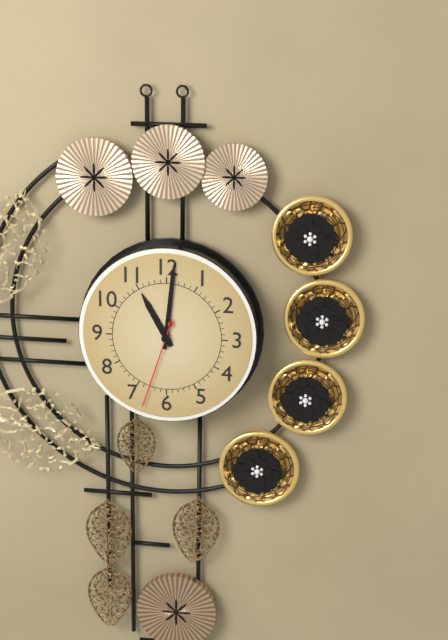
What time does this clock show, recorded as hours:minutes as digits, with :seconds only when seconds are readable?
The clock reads 11:01:33
